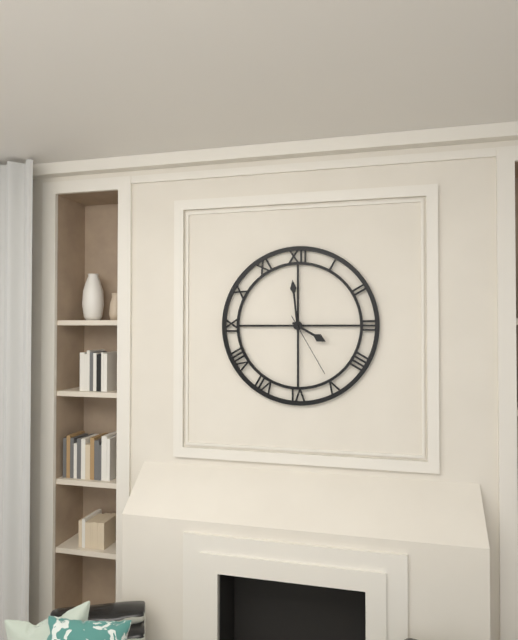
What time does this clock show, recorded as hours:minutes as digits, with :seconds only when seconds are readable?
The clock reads 3:59:25
